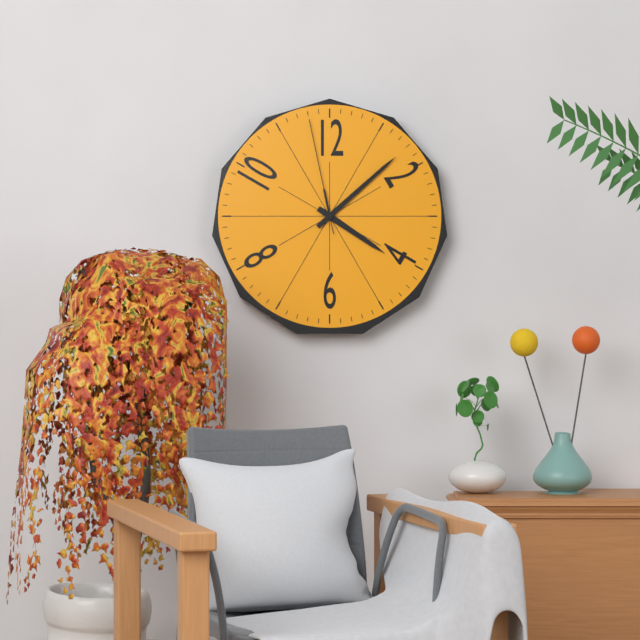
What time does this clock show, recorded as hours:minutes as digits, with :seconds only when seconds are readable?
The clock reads 4:08:58
